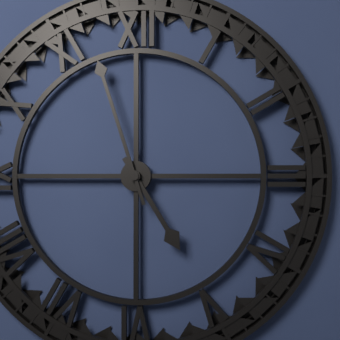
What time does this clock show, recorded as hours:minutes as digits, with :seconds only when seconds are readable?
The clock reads 4:57
